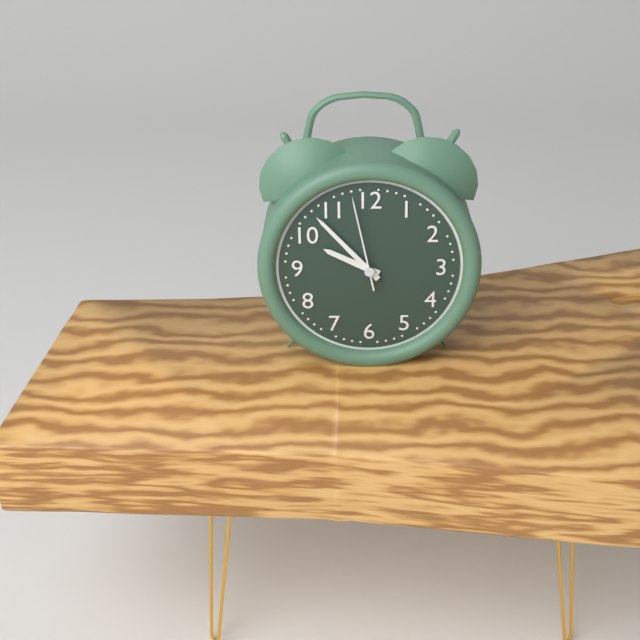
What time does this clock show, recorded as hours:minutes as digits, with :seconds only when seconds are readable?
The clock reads 9:53:58
